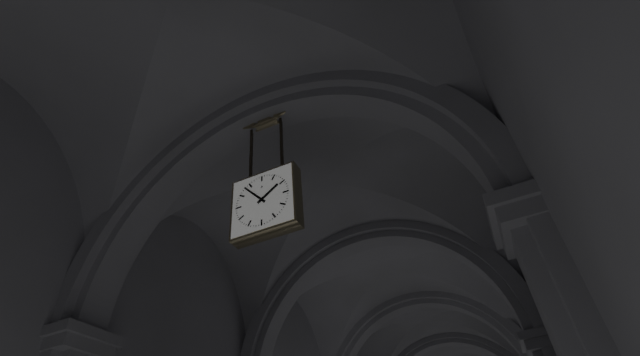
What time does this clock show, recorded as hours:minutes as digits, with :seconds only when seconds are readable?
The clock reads 1:53
